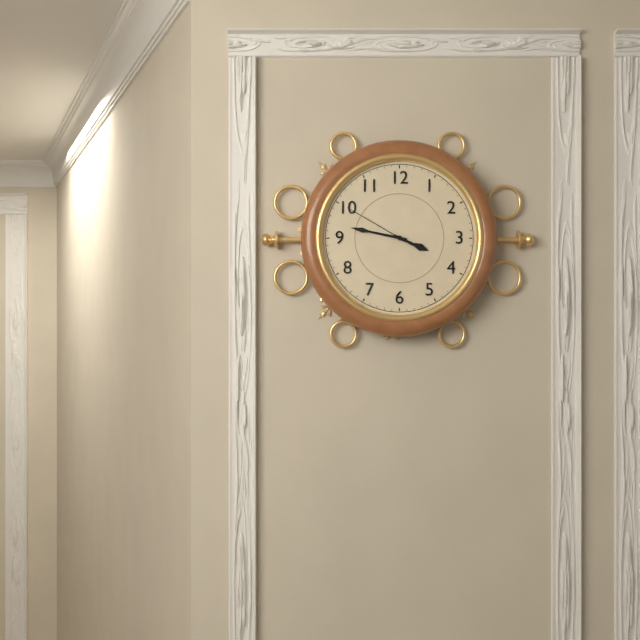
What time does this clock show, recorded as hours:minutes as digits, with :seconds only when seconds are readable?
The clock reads 3:47:50
